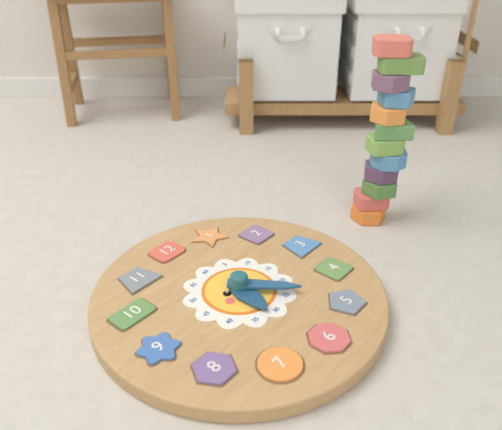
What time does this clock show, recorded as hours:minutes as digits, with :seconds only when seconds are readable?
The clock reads 6:24
